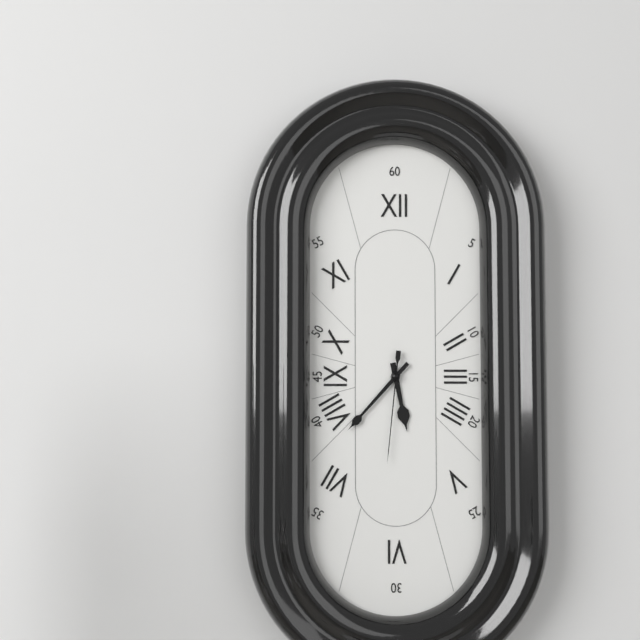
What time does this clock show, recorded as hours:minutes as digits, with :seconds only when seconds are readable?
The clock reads 5:37:31
